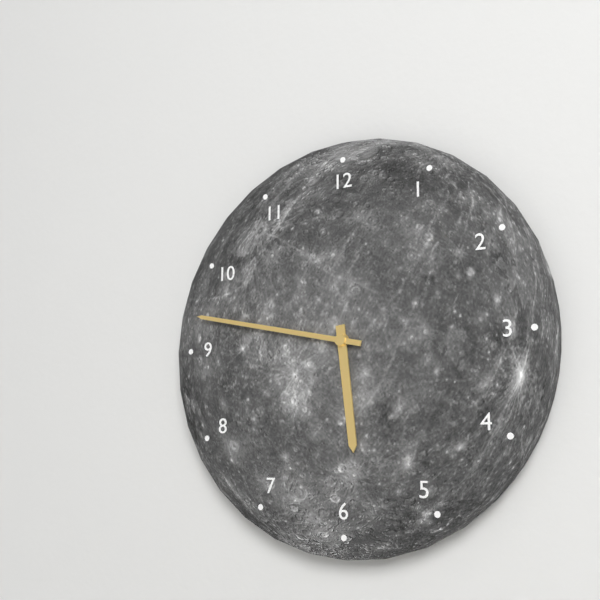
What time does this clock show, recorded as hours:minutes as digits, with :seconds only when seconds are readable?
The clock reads 5:47
